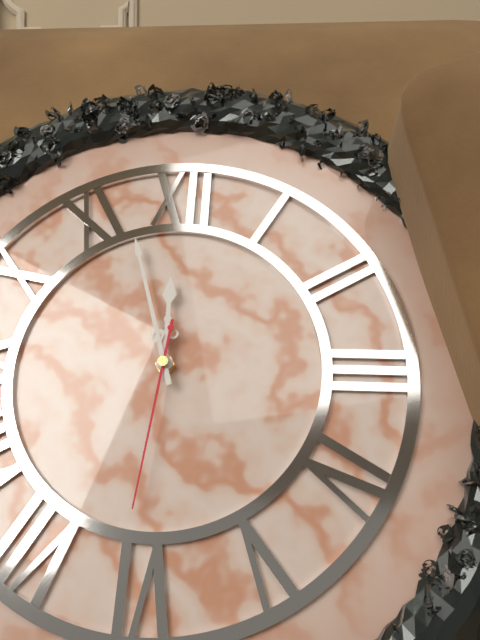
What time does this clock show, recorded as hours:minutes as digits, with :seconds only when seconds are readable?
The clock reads 11:57:31
